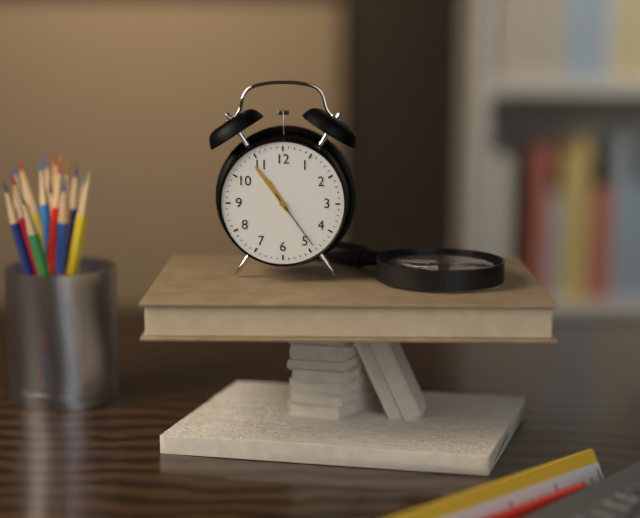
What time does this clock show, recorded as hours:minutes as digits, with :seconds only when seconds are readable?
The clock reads 10:54:24
